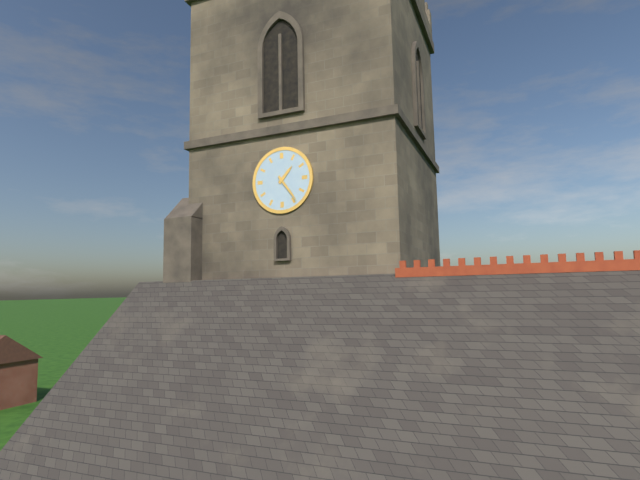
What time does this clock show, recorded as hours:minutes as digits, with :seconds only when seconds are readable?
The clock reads 1:24
